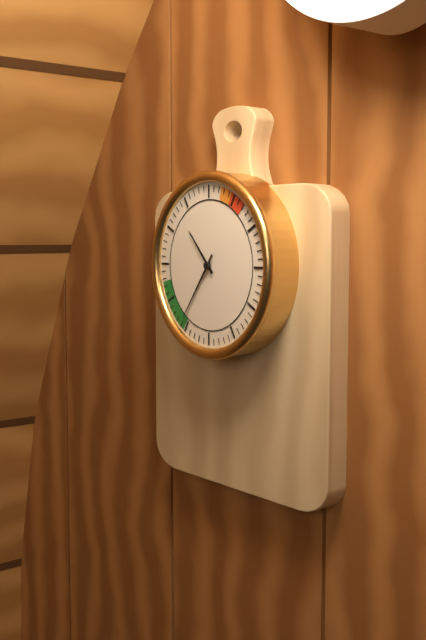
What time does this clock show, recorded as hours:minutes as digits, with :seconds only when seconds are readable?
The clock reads 10:36
